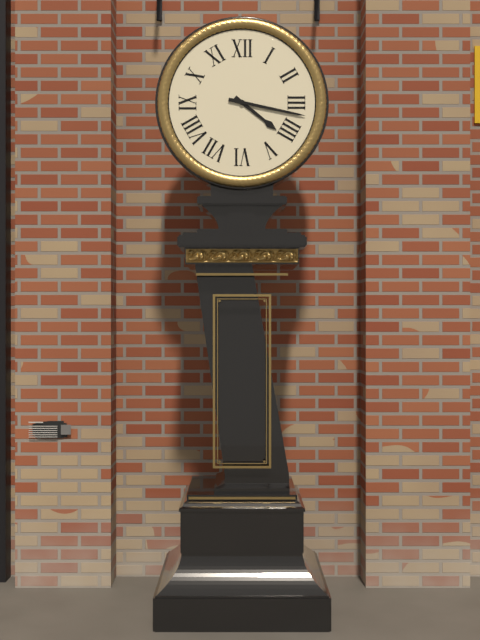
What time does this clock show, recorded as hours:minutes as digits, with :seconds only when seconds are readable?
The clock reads 4:17
